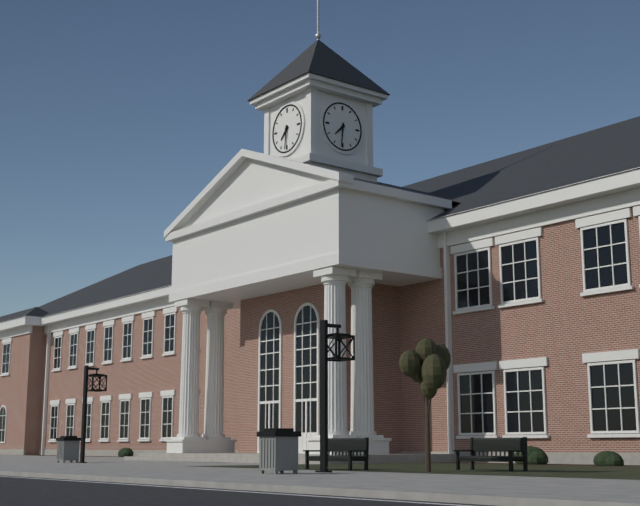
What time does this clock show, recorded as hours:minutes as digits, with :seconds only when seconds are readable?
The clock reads 7:31
